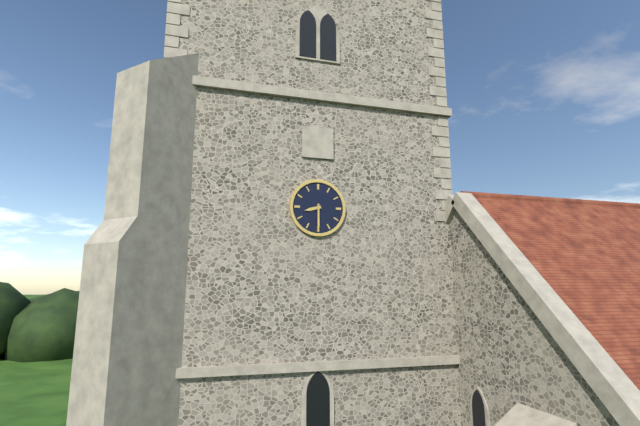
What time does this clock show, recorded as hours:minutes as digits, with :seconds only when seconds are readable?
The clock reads 8:30
